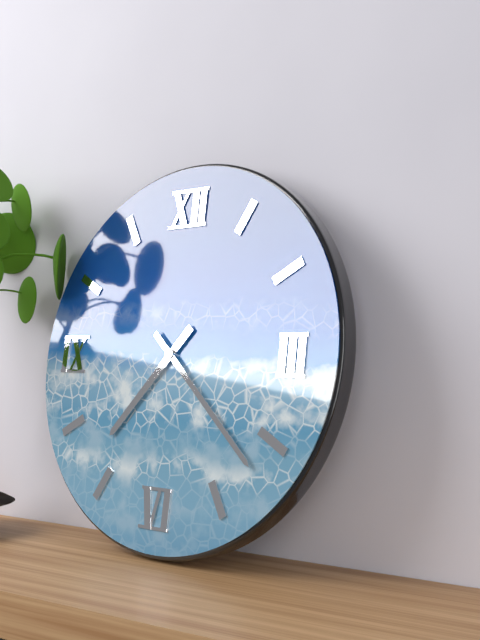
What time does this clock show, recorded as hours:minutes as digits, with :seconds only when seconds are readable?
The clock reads 7:22
